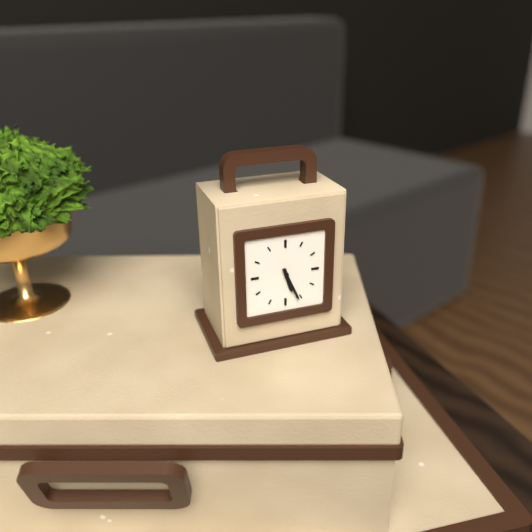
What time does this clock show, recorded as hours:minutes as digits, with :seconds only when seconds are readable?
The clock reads 5:26
